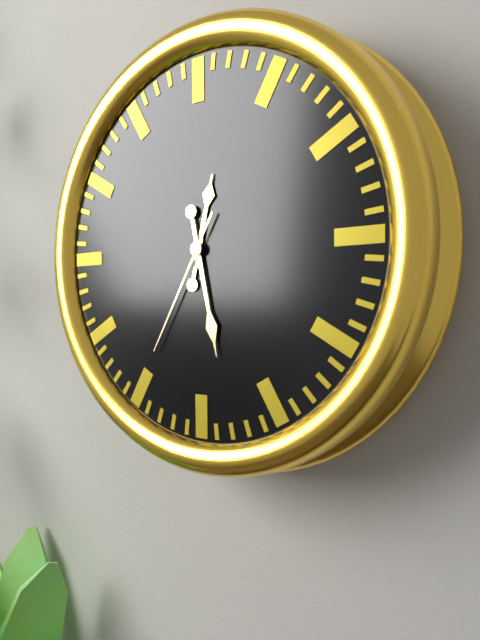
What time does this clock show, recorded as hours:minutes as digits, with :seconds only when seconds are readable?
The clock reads 12:28:35
